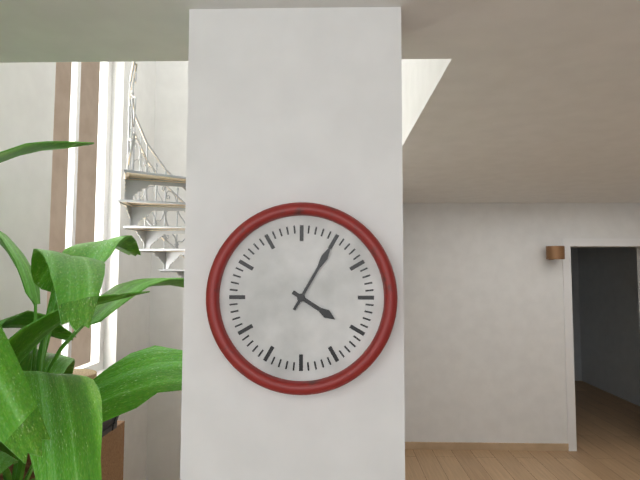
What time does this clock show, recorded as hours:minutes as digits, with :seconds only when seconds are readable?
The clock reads 4:05
